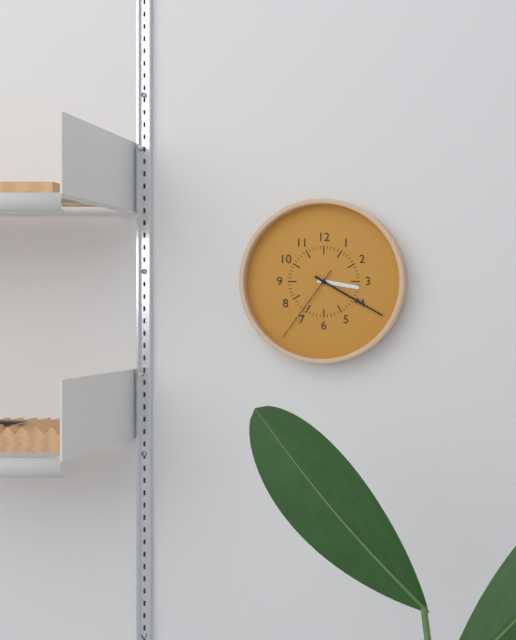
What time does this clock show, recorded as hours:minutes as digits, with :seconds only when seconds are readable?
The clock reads 3:20:36
